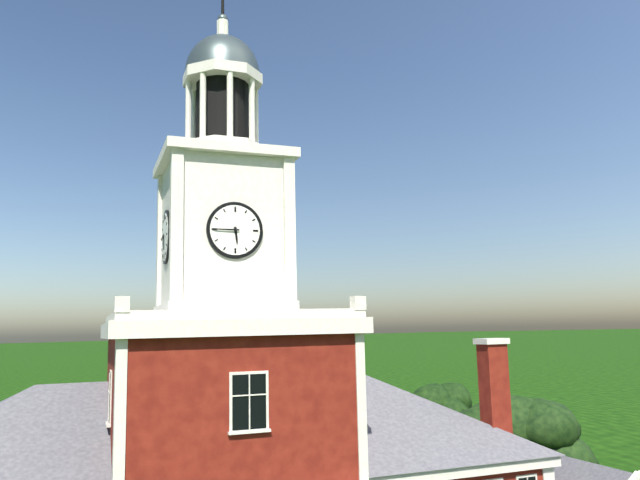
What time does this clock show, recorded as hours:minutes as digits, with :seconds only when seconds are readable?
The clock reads 5:45
